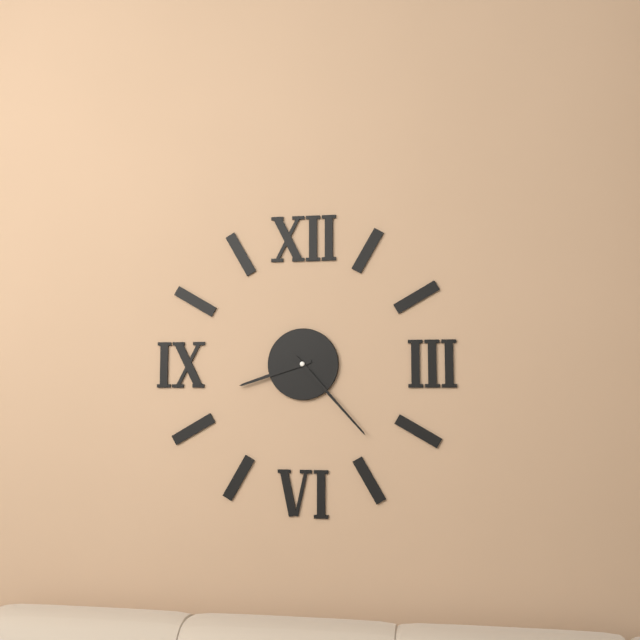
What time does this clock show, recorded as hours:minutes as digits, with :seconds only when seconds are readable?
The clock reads 8:23
